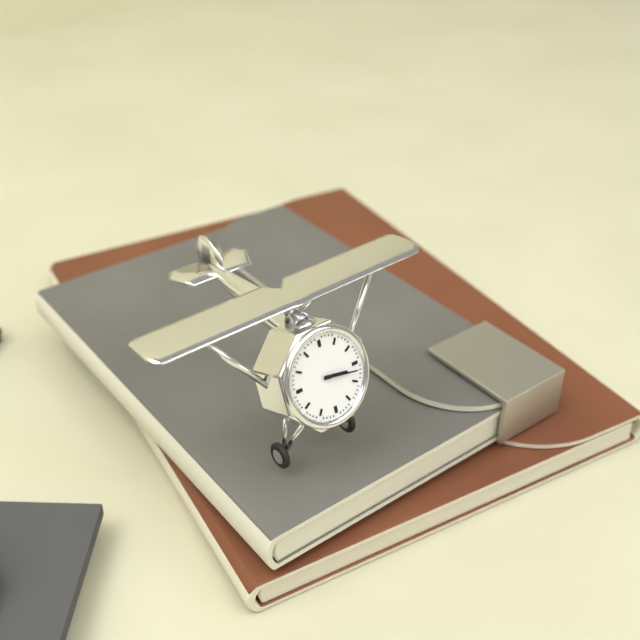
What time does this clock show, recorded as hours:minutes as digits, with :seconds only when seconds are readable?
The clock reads 3:17
